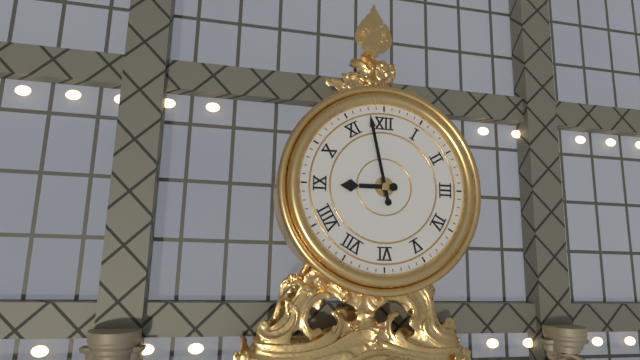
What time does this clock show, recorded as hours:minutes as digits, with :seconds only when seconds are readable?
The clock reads 8:58
